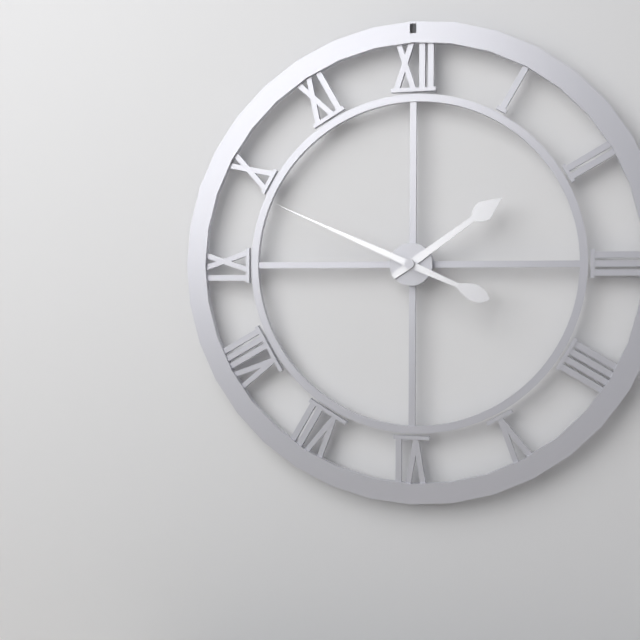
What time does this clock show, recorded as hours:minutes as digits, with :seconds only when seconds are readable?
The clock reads 1:49
